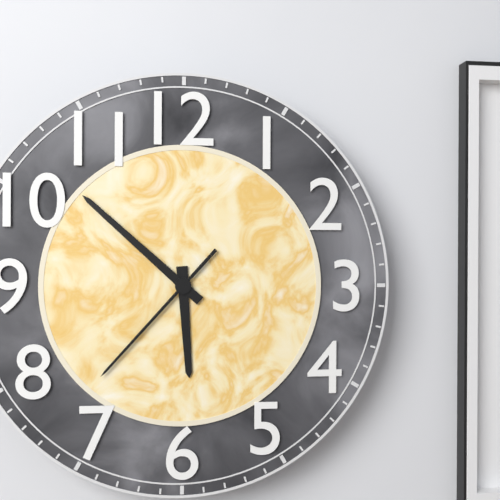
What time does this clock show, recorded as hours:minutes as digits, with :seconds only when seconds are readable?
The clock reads 5:52:37
